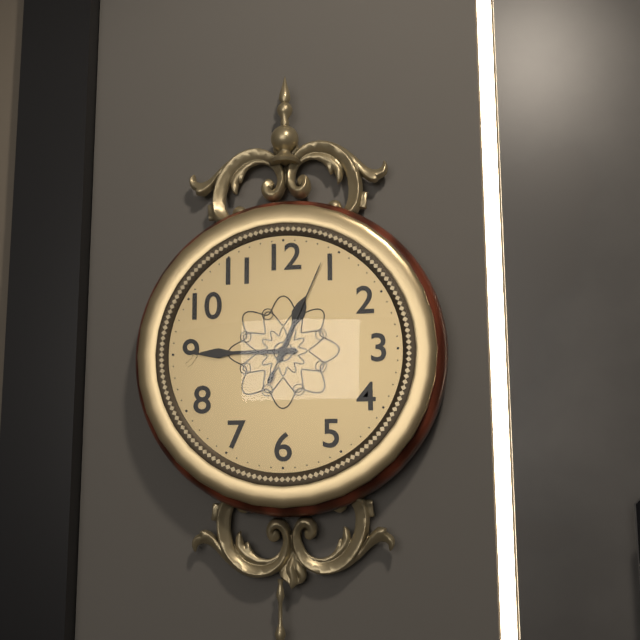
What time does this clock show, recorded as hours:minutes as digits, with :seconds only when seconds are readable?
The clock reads 12:45:04
